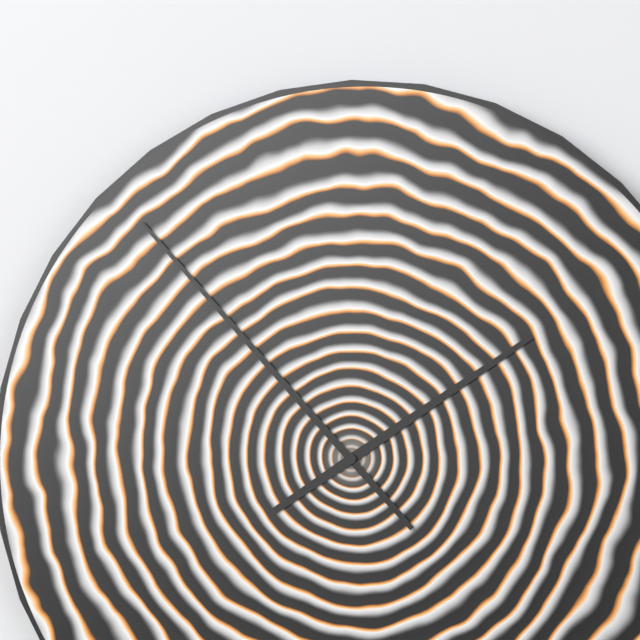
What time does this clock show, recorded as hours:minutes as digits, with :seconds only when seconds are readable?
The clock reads 1:53
